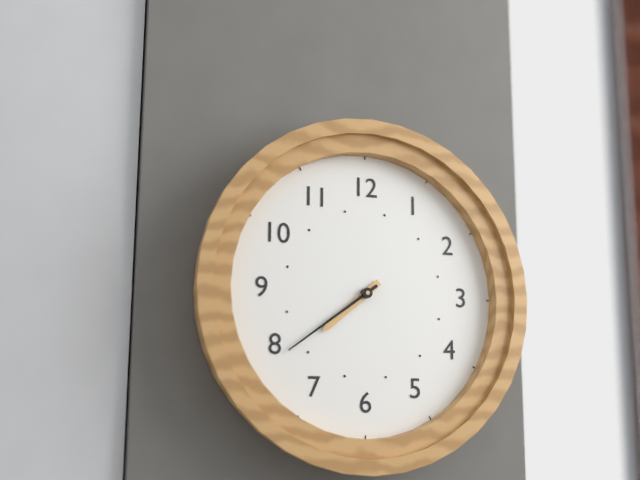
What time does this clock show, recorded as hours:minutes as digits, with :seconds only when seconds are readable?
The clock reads 7:39
